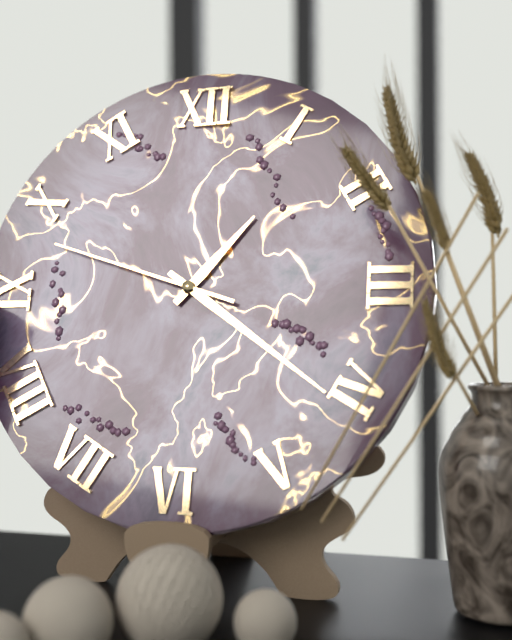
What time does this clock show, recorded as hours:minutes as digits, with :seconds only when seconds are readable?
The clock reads 1:21:48
